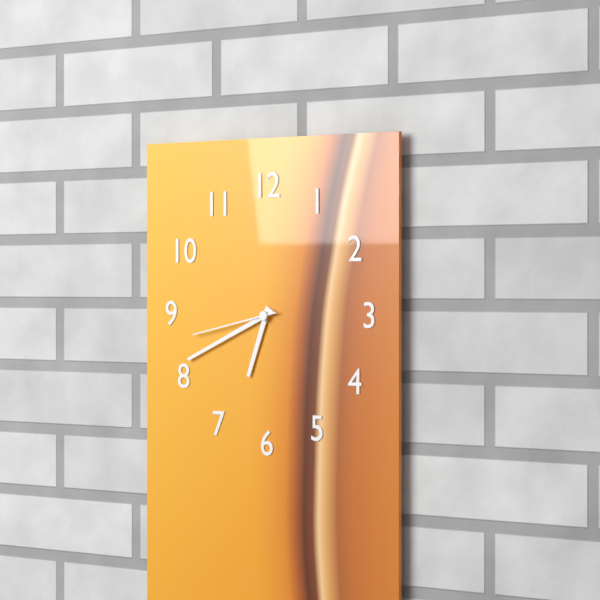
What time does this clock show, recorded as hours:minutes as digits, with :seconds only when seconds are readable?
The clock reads 6:41:43
